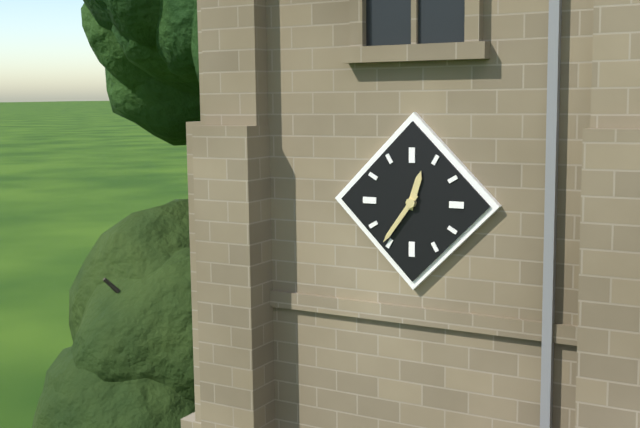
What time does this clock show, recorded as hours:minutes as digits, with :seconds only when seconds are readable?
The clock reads 12:36
